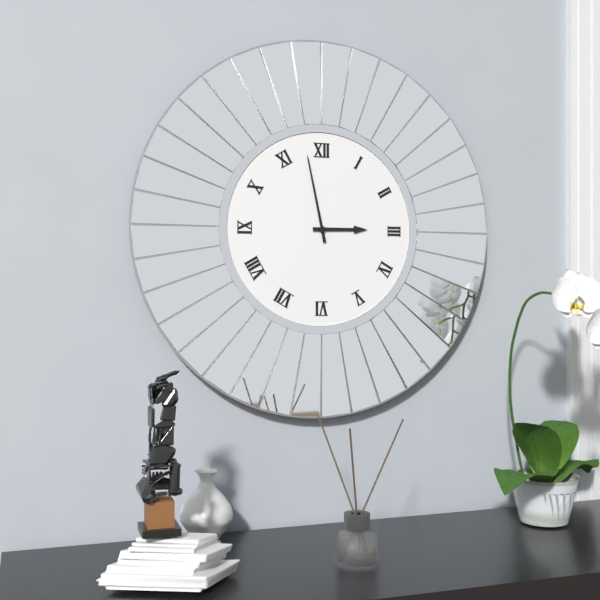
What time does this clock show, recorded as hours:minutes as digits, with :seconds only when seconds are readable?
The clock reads 2:58
